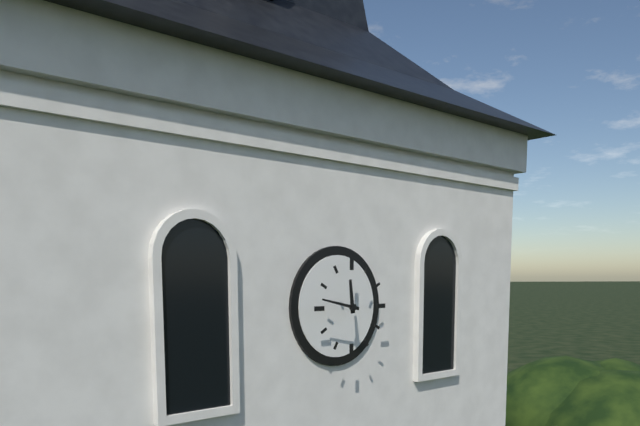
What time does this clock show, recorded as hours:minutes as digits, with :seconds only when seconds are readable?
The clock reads 11:47
